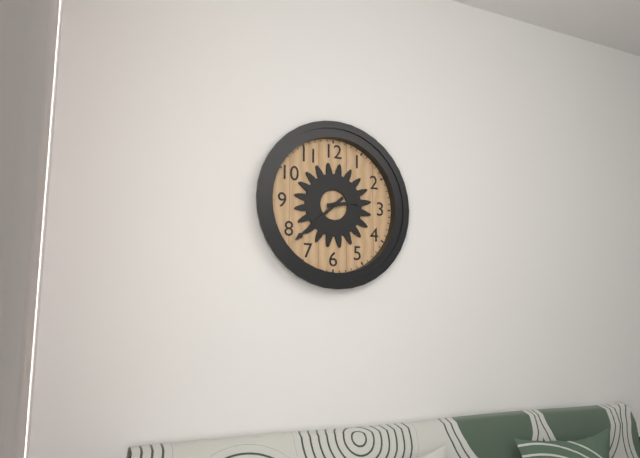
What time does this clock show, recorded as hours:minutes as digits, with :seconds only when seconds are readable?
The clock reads 2:38
